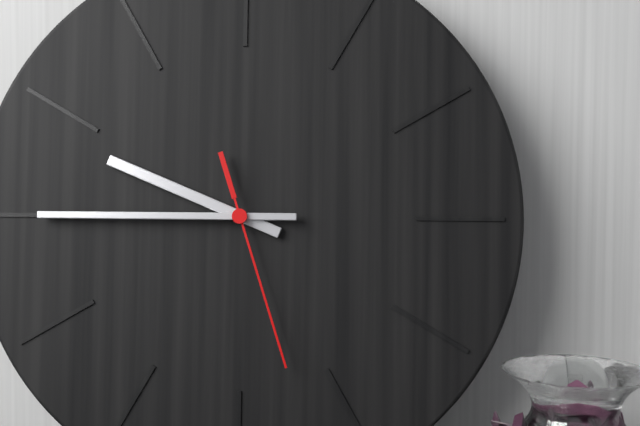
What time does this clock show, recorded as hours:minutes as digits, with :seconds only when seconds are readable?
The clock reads 9:45:27
